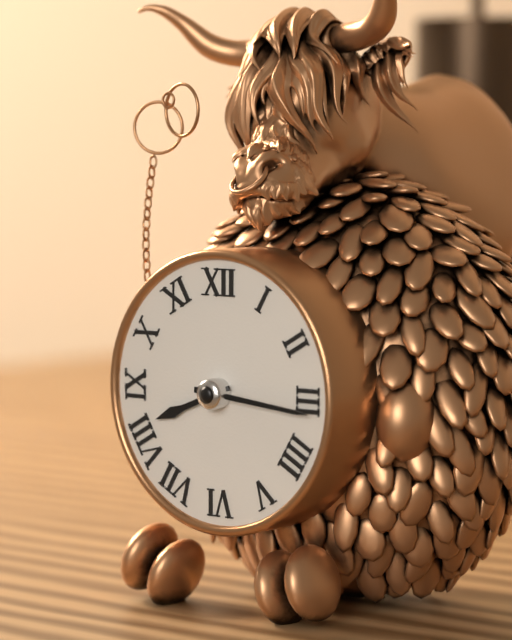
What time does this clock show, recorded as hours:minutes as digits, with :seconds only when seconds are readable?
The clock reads 8:16
